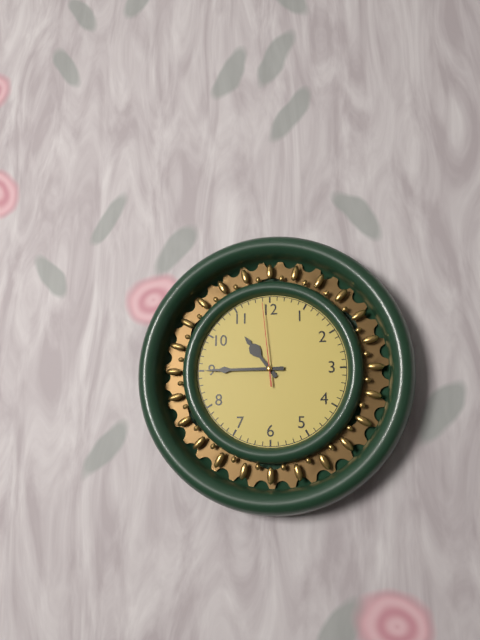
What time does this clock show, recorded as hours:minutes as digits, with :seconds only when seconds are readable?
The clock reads 10:45:59
